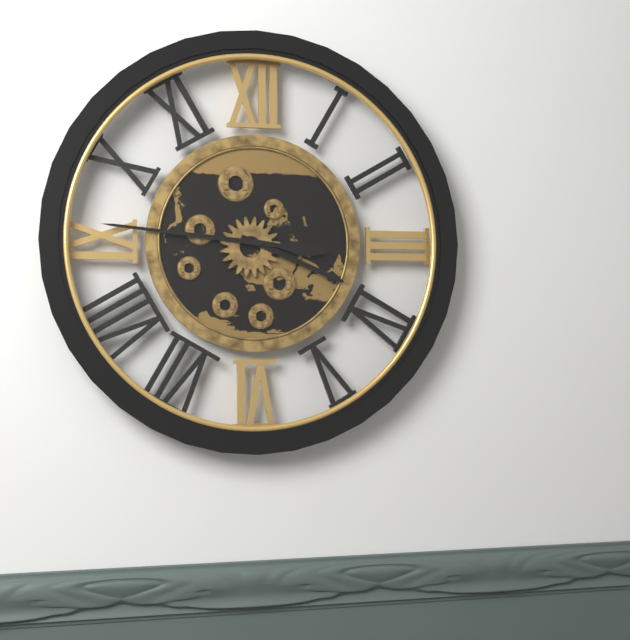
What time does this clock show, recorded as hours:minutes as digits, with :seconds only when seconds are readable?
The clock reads 3:46
